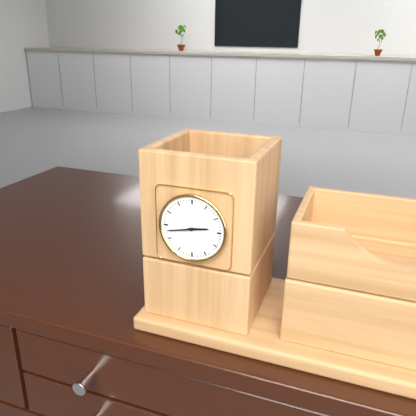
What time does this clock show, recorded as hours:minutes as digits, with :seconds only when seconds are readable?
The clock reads 2:43
